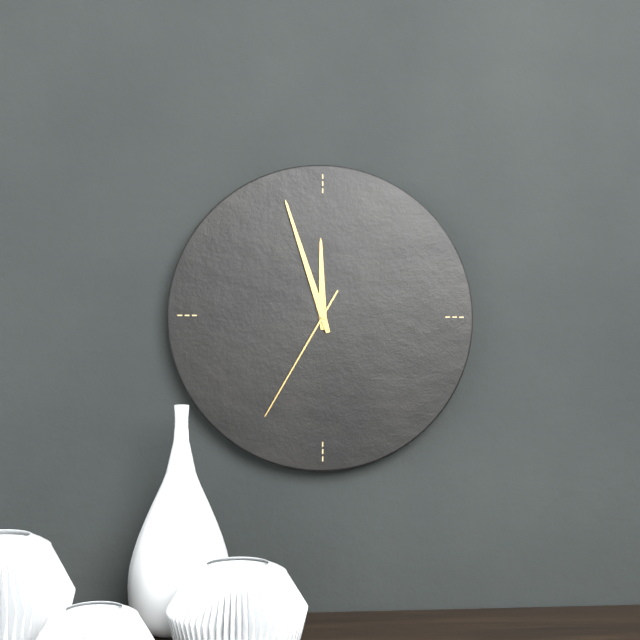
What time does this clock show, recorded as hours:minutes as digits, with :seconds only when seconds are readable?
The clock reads 11:57:35
